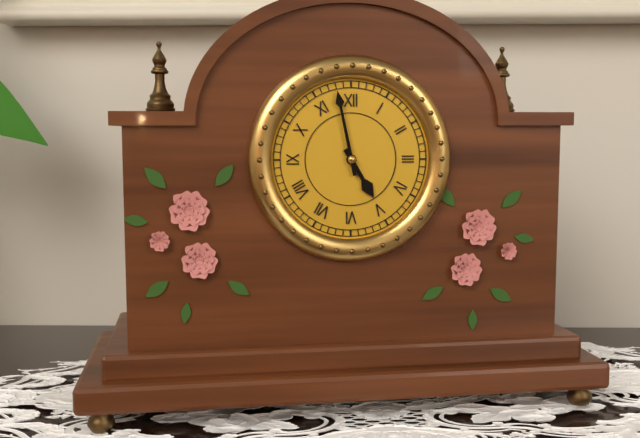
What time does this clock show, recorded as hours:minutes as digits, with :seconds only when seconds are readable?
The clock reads 4:58
